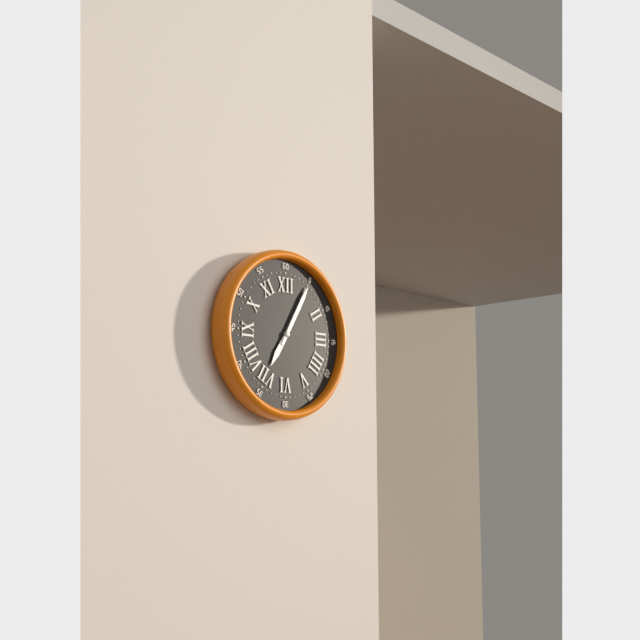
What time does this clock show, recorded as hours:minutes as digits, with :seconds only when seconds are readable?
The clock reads 7:05
